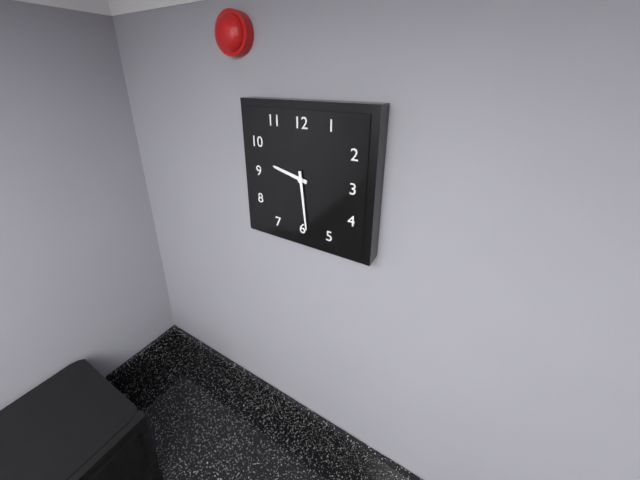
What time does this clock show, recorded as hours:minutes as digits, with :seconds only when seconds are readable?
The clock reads 9:29
